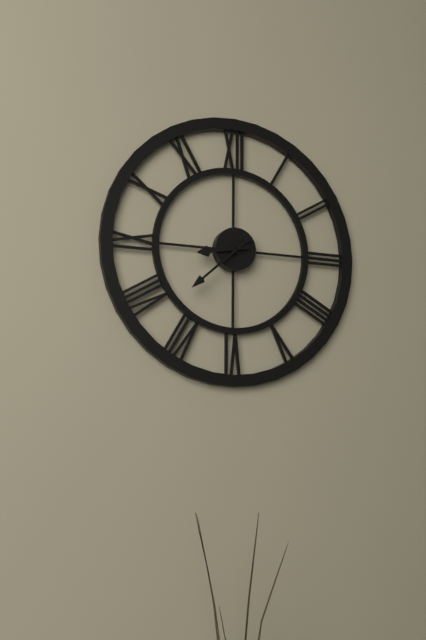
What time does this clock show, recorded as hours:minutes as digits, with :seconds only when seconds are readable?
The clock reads 8:38
